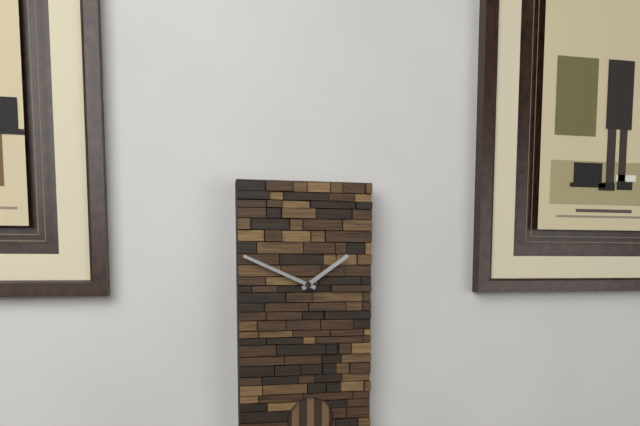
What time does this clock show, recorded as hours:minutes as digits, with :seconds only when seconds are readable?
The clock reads 1:49
